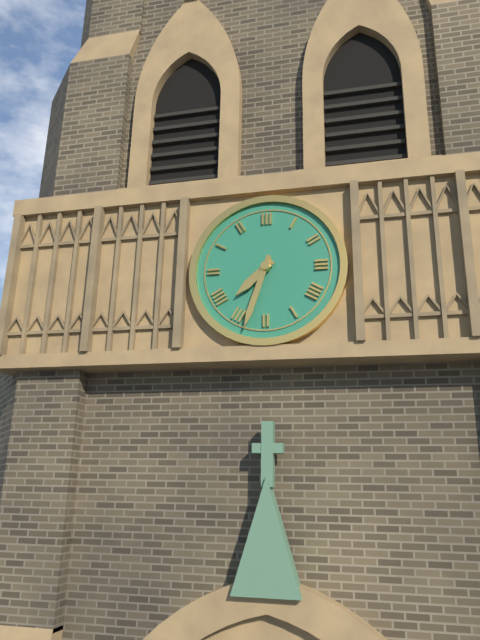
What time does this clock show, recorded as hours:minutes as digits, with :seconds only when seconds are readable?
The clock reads 7:33
